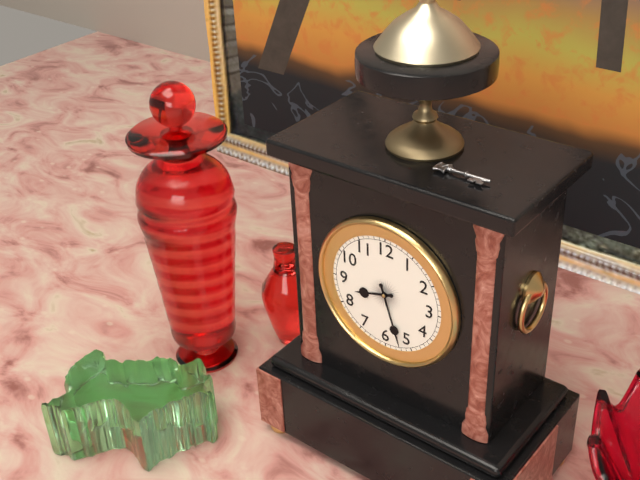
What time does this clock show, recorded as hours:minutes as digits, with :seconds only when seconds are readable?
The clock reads 8:27
